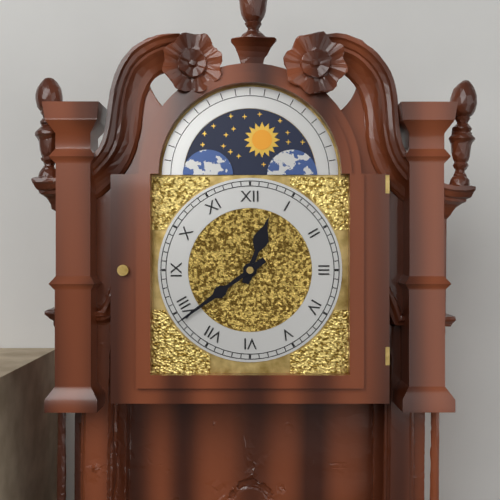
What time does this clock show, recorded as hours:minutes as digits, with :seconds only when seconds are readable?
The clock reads 12:39
